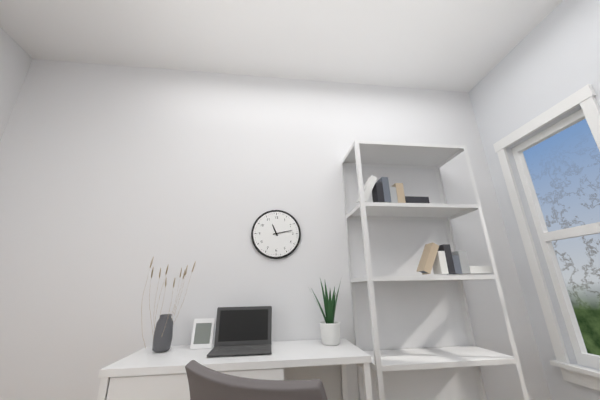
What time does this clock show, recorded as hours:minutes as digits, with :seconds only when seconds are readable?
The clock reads 11:13
